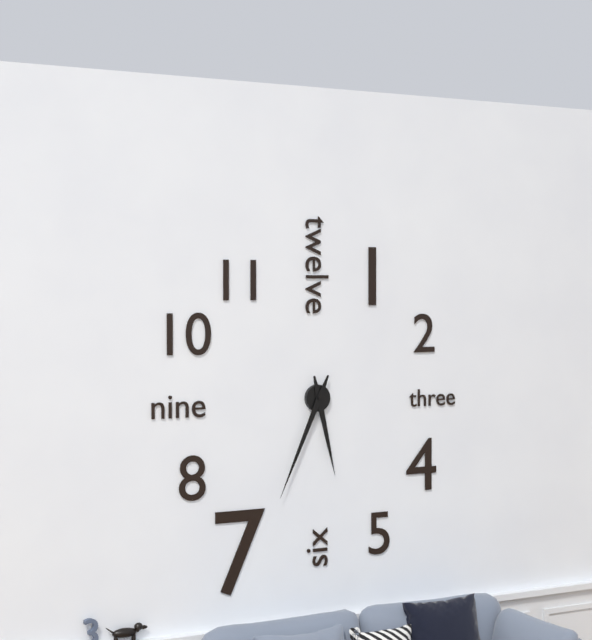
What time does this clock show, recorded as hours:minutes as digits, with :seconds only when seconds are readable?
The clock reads 5:34
